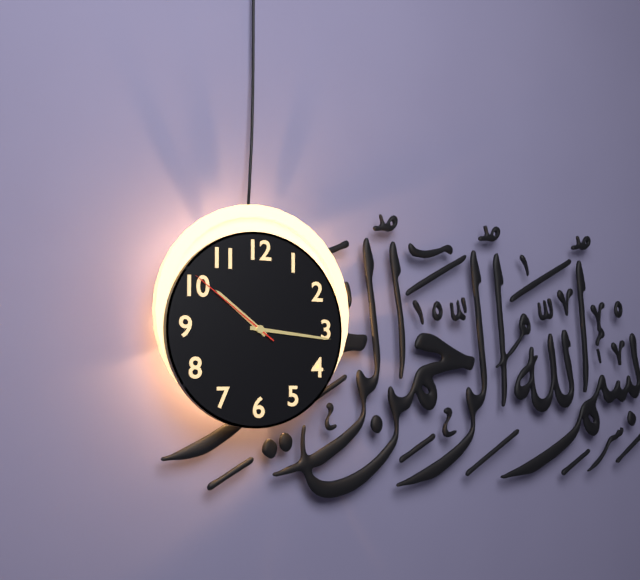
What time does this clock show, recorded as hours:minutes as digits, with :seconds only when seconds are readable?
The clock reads 10:16:51
